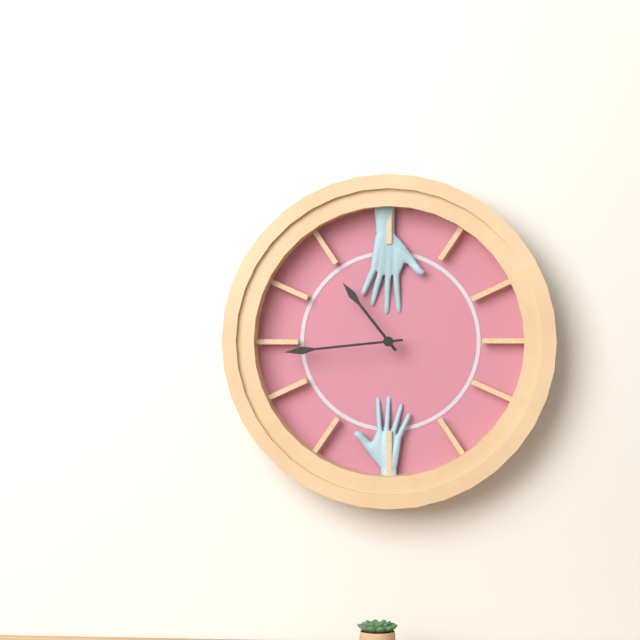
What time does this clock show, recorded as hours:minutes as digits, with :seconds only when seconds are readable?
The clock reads 10:44
